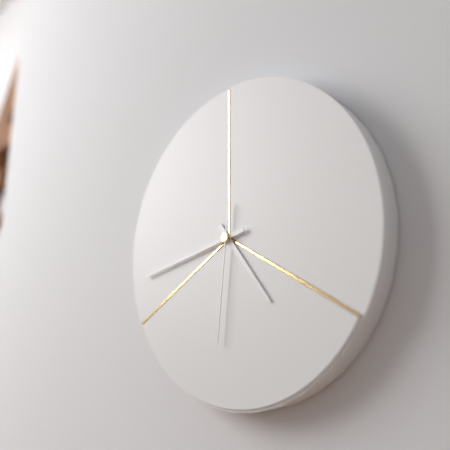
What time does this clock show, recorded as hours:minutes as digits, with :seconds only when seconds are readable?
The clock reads 4:43:31
